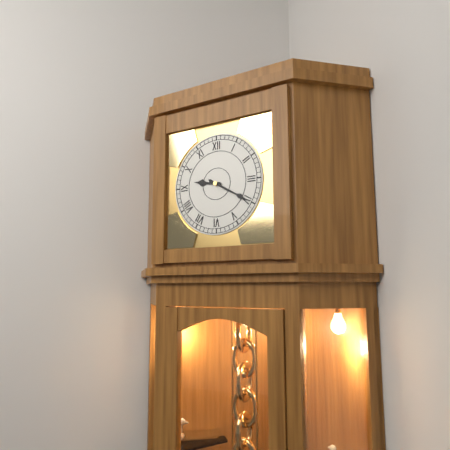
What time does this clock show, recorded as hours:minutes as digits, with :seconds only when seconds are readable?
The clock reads 9:20
